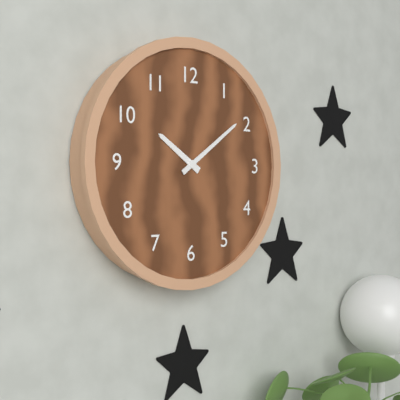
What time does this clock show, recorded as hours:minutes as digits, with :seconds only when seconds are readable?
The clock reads 10:09
